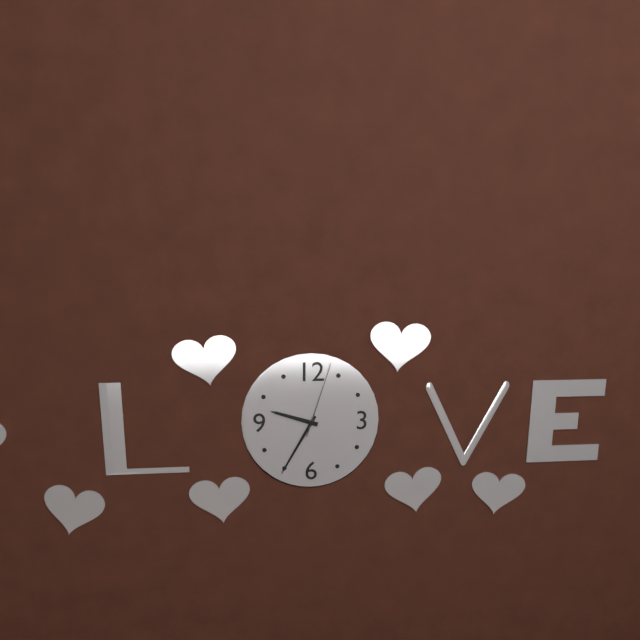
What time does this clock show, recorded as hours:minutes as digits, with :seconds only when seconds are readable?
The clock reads 9:35:03
